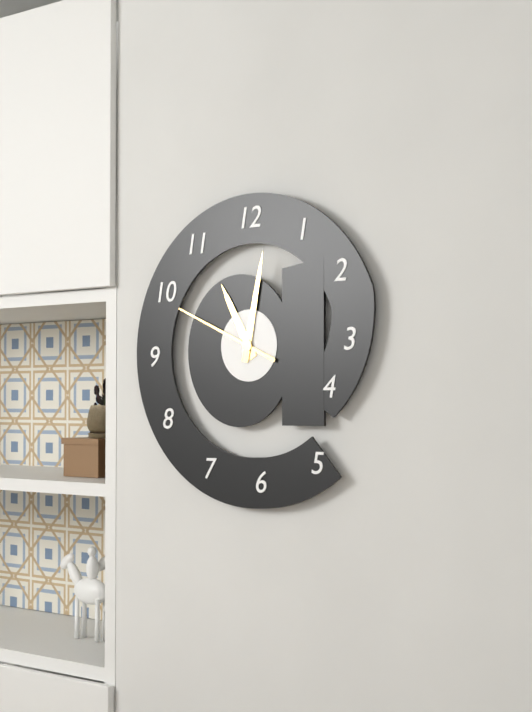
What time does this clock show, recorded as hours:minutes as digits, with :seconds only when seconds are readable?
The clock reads 11:02:49
